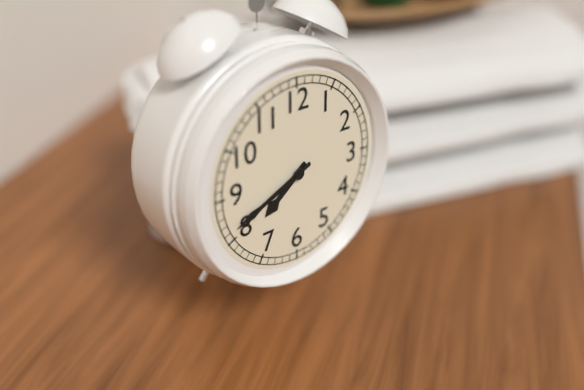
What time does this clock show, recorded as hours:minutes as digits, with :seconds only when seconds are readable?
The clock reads 7:41
